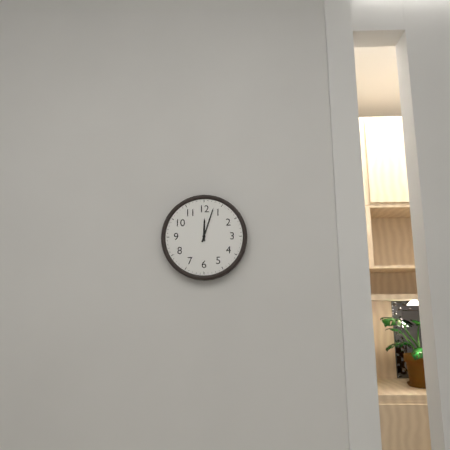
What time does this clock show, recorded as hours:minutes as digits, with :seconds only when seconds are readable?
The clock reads 12:03
